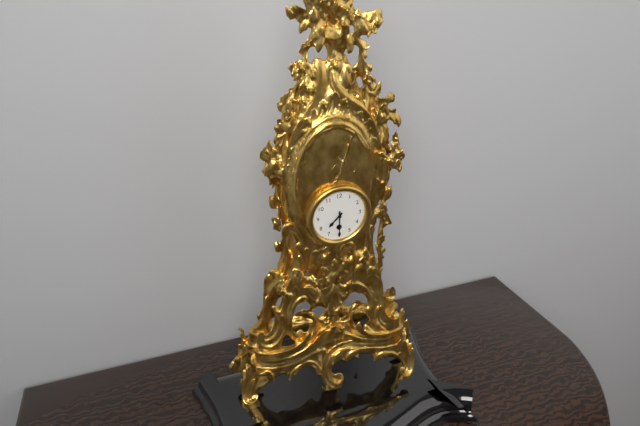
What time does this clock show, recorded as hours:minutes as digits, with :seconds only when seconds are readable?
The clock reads 7:30
